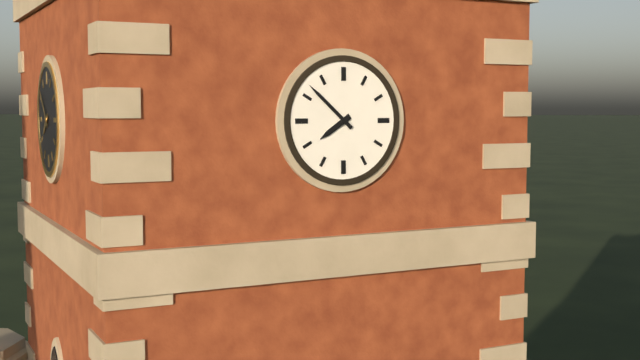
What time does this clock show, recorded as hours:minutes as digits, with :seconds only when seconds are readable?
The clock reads 7:52
